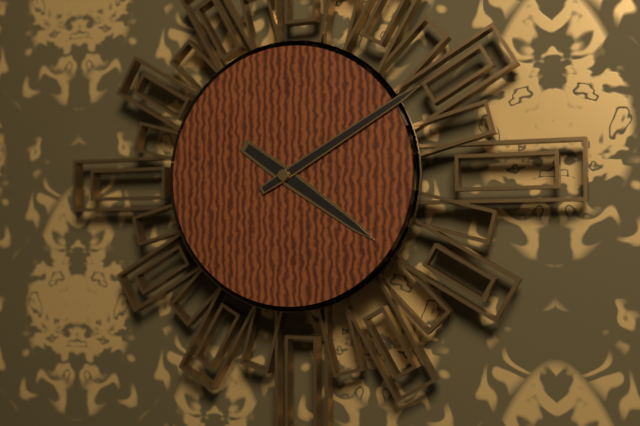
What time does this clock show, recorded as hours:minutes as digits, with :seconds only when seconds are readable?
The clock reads 4:10
